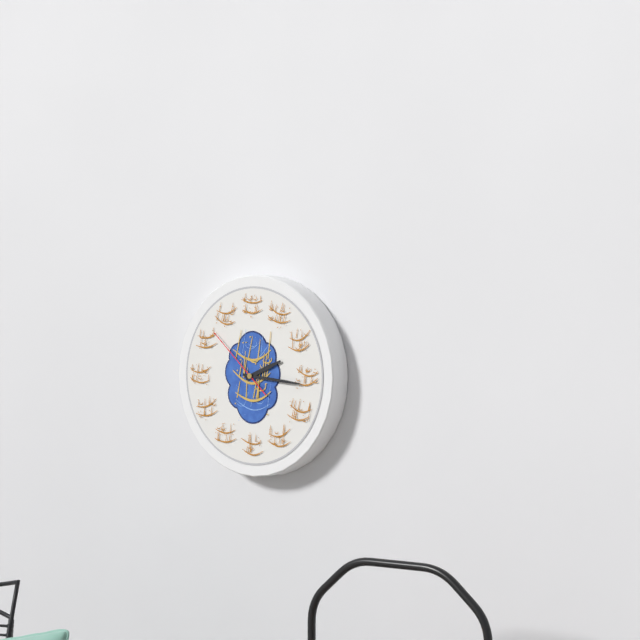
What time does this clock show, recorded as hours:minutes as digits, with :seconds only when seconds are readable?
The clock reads 2:16:52
